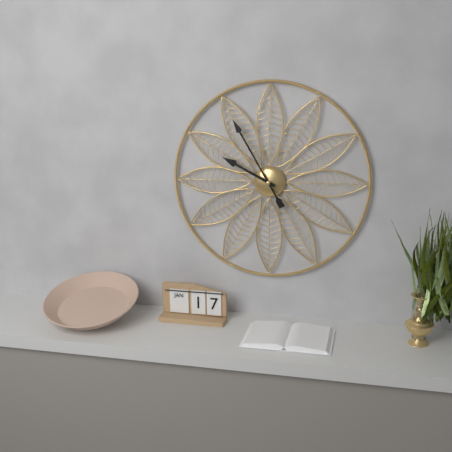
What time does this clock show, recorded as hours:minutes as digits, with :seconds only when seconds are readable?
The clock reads 9:55
